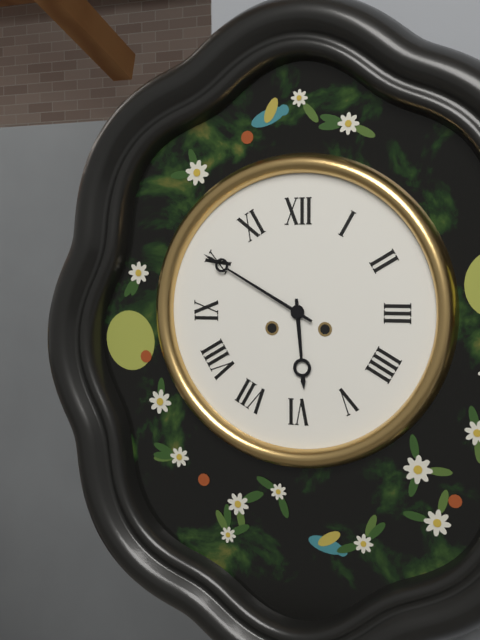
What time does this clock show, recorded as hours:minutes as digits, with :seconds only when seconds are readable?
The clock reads 5:50
